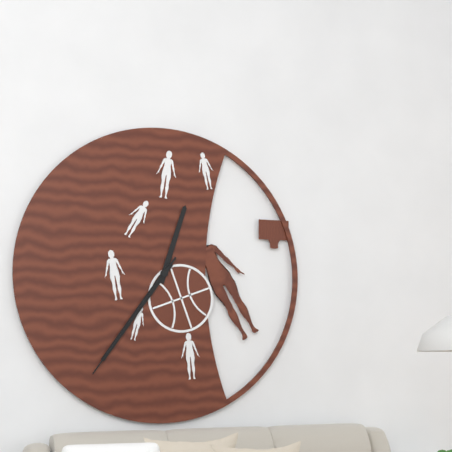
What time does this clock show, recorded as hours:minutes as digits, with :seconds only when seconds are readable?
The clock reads 12:36:36
